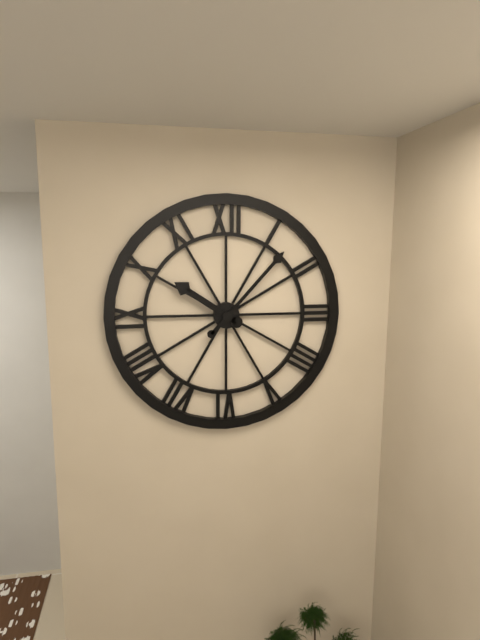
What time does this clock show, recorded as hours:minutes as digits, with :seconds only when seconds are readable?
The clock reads 10:07
